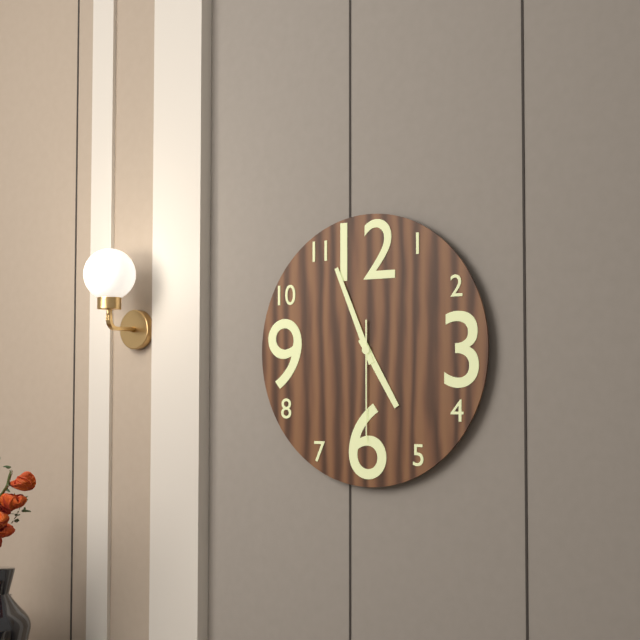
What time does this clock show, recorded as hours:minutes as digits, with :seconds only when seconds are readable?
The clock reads 4:56:30
